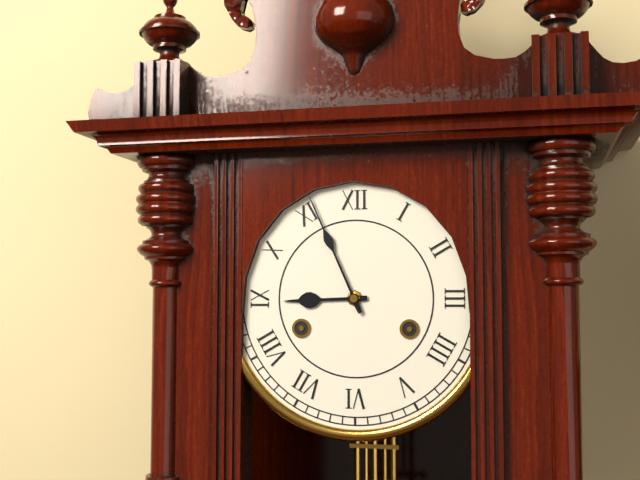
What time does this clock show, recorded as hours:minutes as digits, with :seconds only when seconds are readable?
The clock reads 8:56
